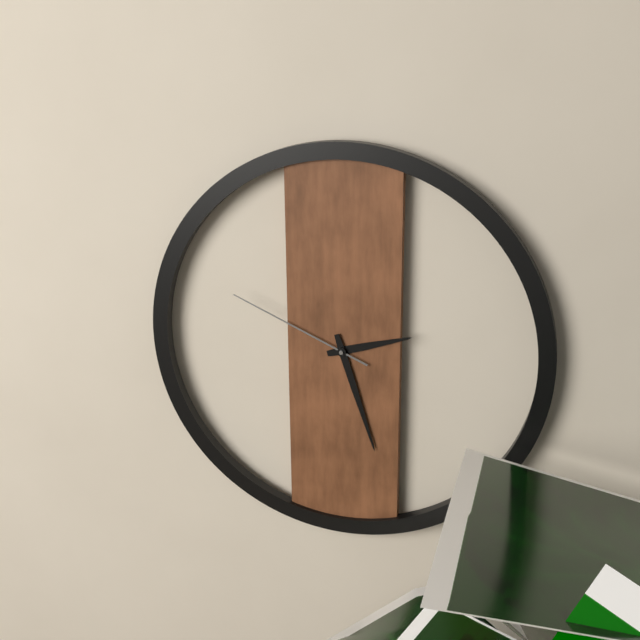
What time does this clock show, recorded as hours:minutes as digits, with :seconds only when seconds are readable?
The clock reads 2:27:49
